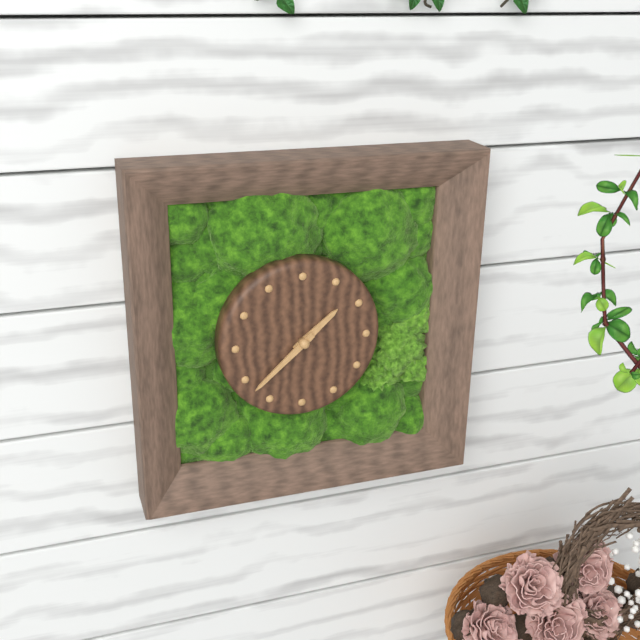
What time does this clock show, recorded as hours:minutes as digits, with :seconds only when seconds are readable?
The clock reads 1:38
